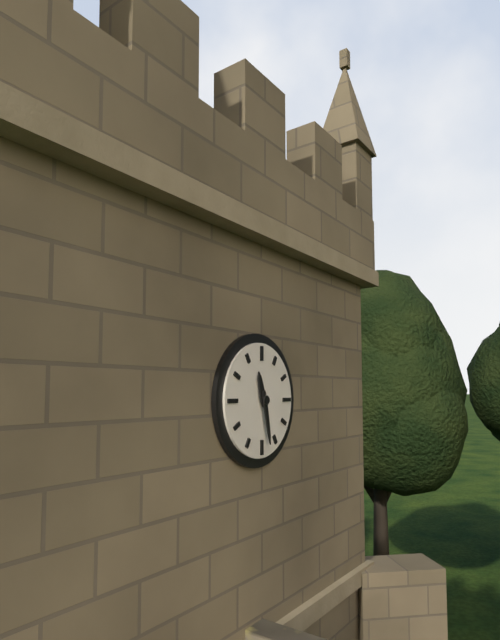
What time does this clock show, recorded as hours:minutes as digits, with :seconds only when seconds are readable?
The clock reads 11:28
